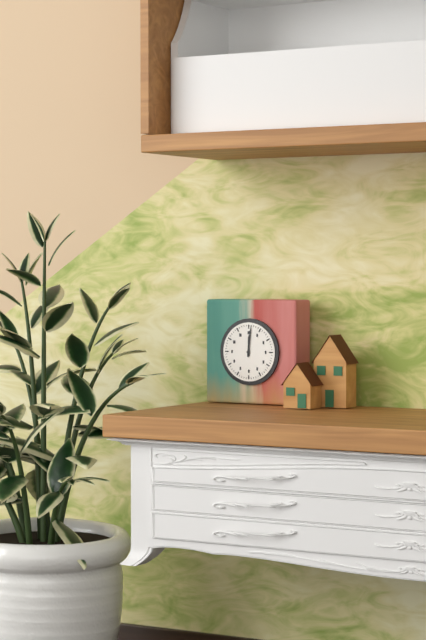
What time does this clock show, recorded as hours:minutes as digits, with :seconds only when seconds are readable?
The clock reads 12:01
